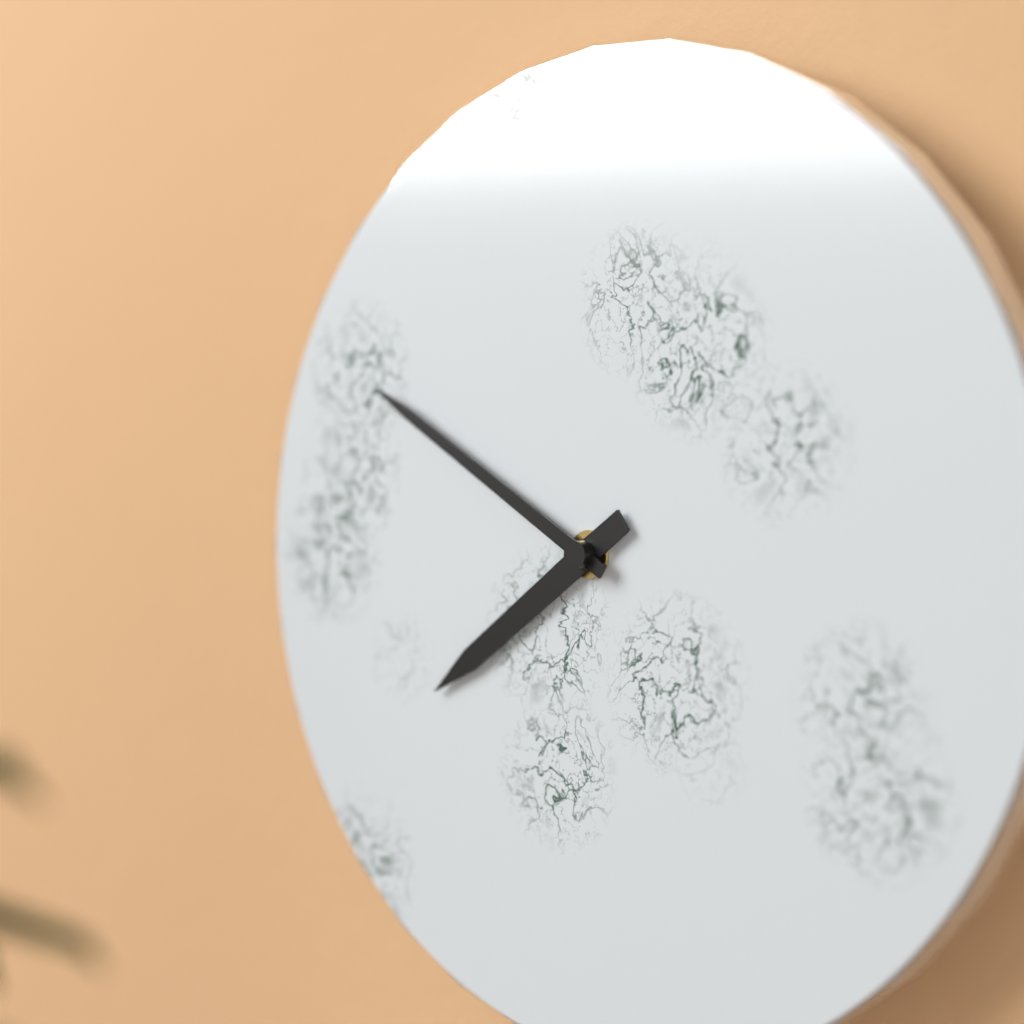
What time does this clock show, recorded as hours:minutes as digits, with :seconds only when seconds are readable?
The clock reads 7:50
